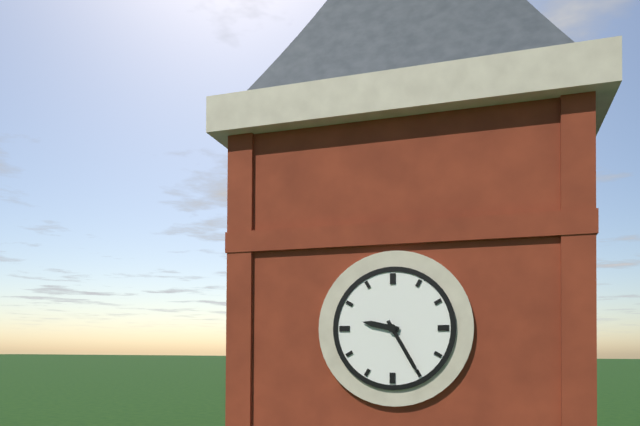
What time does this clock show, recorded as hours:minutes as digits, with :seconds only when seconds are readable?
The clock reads 9:25
